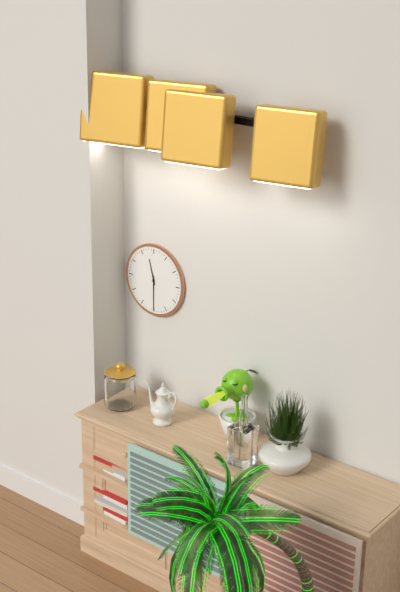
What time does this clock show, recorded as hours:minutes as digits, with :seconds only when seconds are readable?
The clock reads 11:30
